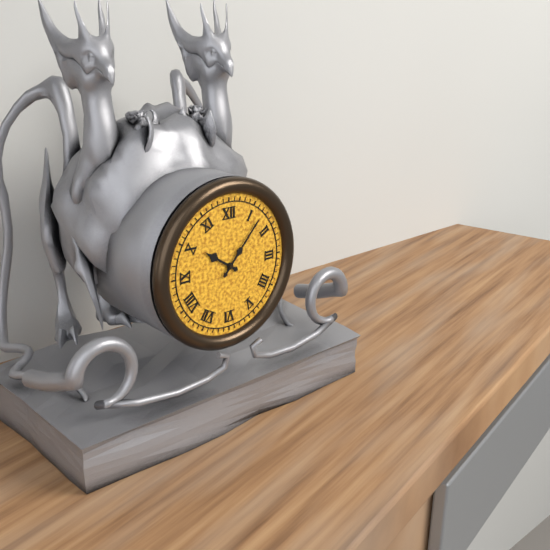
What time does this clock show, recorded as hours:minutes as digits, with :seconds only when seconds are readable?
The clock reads 10:07
